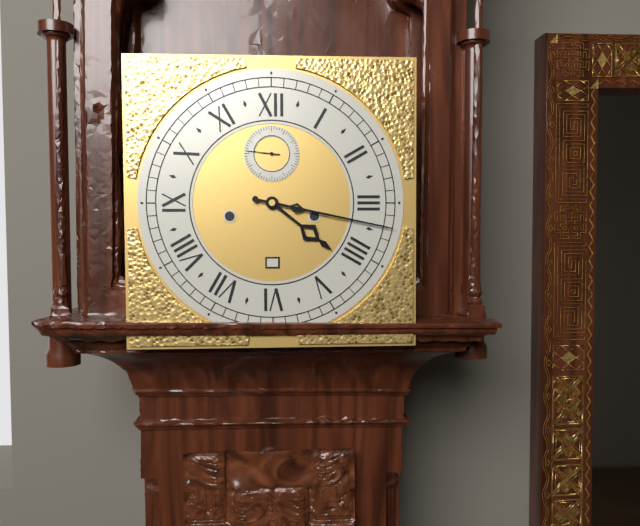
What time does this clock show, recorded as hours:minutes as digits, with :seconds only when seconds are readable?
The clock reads 4:17
